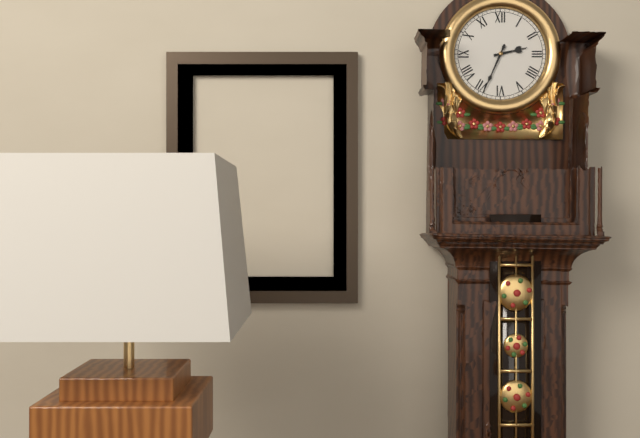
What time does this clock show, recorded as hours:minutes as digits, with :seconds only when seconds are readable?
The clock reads 2:34
